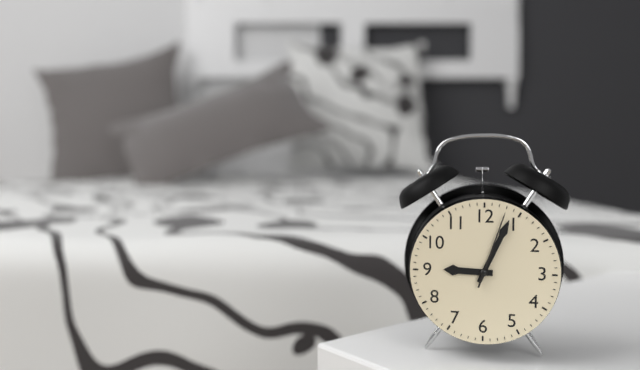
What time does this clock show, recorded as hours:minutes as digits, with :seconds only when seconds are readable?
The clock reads 9:04:03
